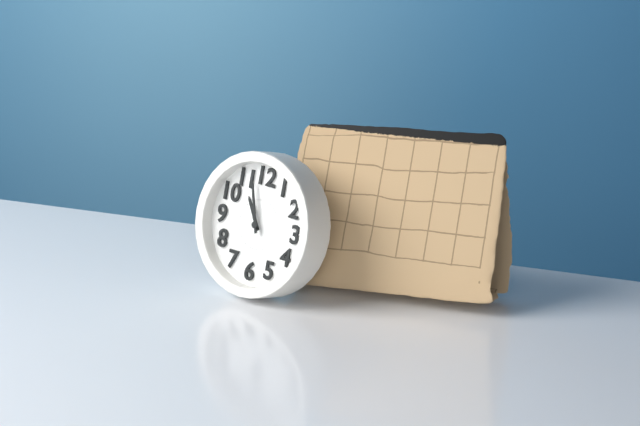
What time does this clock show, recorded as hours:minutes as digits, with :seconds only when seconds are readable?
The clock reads 10:57
